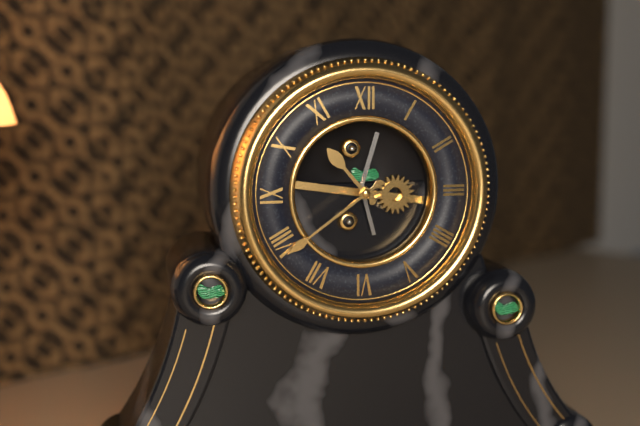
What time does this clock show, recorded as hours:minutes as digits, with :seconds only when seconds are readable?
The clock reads 10:39
